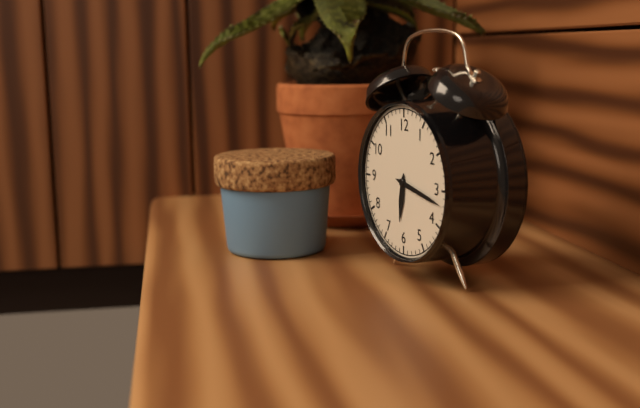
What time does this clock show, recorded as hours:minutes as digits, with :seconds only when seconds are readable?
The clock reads 6:17
